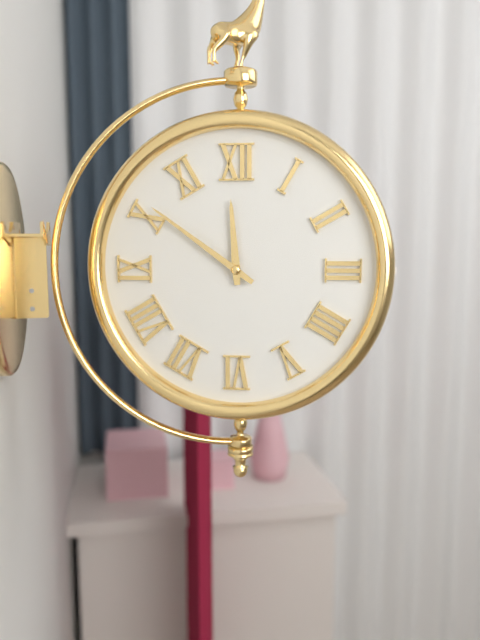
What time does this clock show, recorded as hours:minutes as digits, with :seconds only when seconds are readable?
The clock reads 11:51
